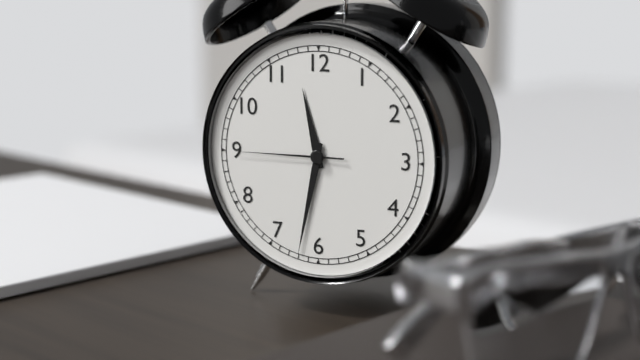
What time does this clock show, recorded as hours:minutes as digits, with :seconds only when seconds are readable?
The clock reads 11:32:45
